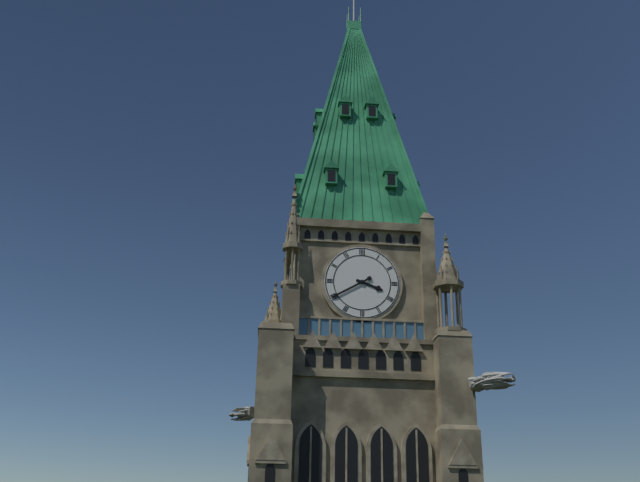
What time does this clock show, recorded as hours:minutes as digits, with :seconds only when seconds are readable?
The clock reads 3:40
